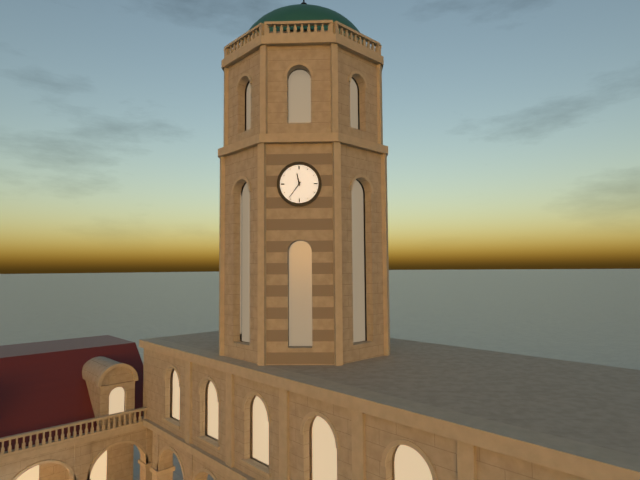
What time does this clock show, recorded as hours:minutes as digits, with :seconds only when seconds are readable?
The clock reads 11:36
